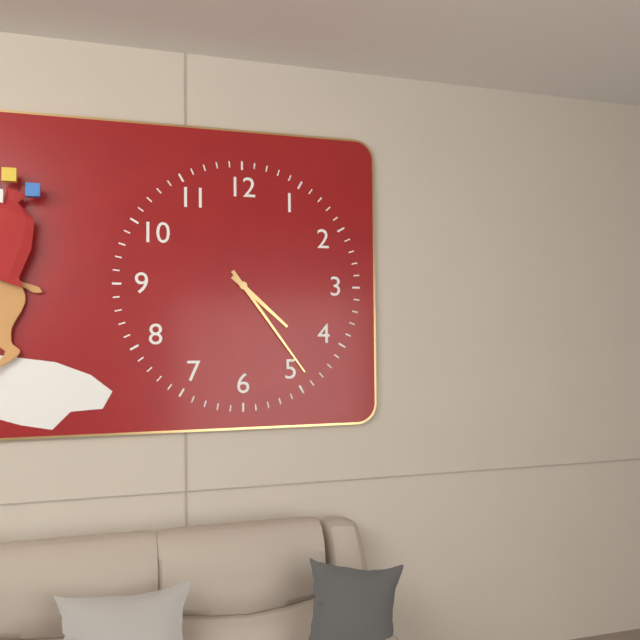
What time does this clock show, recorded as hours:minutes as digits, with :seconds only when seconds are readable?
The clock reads 4:24
